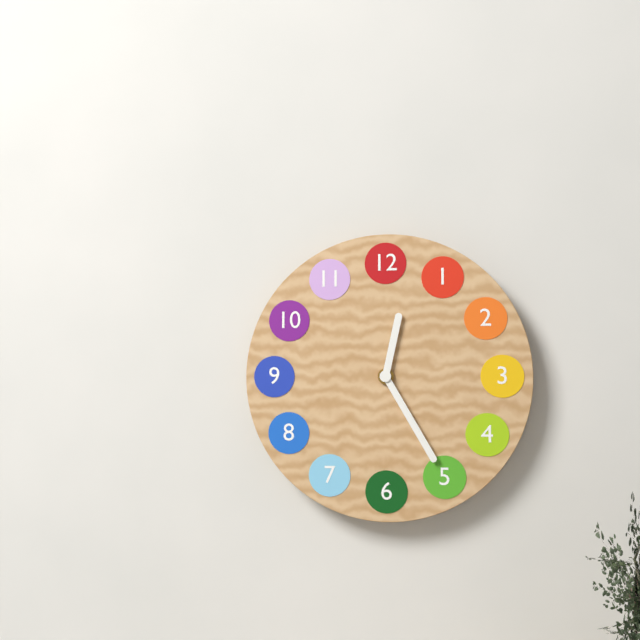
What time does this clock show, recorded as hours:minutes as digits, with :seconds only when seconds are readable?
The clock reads 12:25
